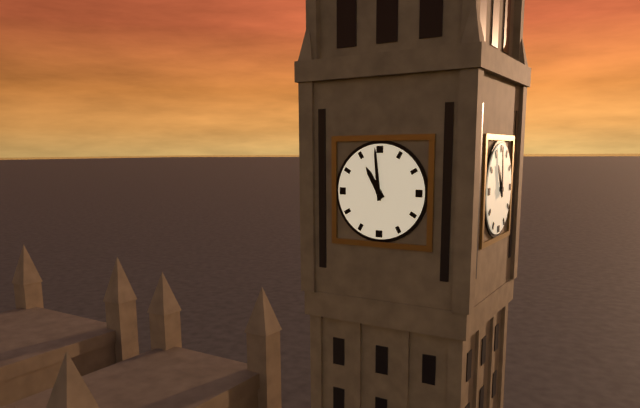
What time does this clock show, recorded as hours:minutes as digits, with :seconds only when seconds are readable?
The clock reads 10:59
